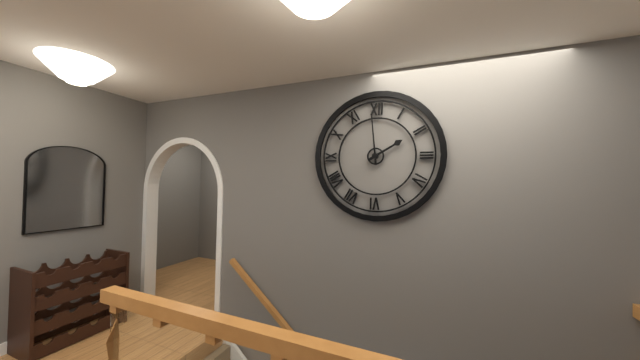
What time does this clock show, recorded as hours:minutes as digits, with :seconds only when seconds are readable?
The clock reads 1:59
